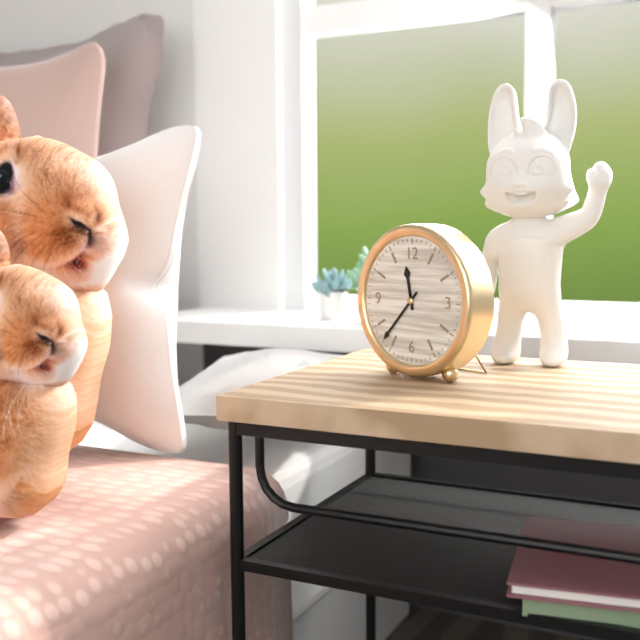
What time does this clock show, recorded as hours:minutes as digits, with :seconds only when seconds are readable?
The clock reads 11:37
